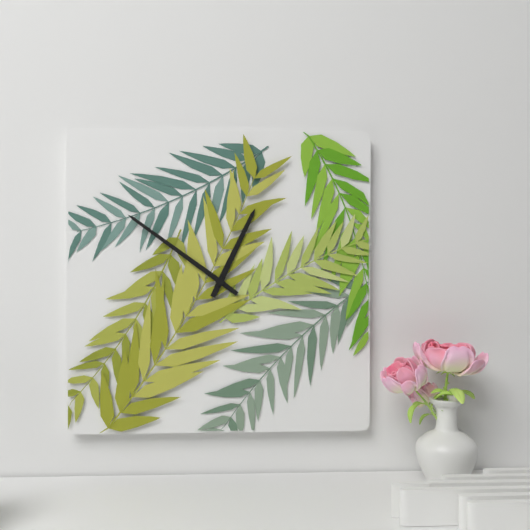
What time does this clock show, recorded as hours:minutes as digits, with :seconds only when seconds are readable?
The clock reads 12:51
